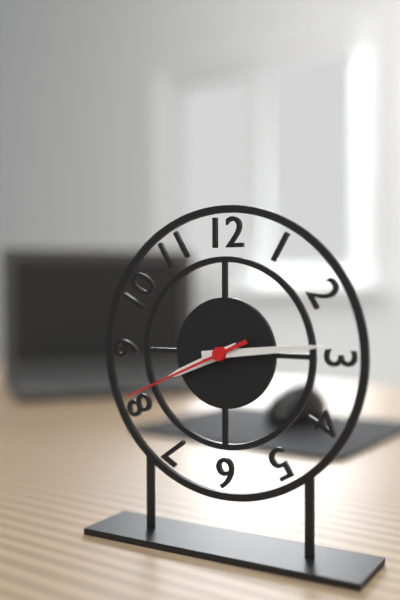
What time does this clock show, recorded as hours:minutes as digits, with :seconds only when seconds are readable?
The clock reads 8:14:41
